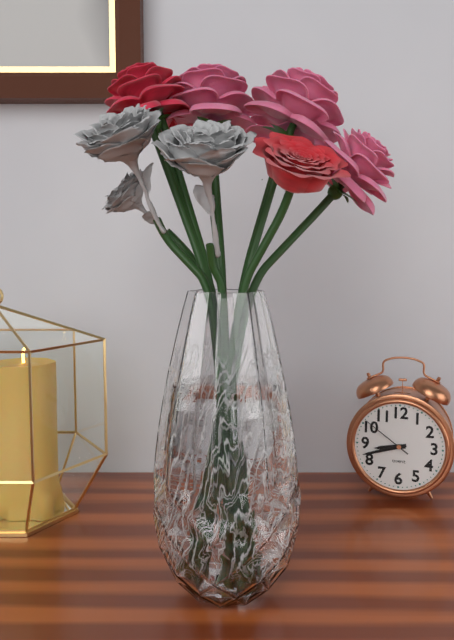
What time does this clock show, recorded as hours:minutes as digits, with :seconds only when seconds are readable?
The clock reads 8:42:51
